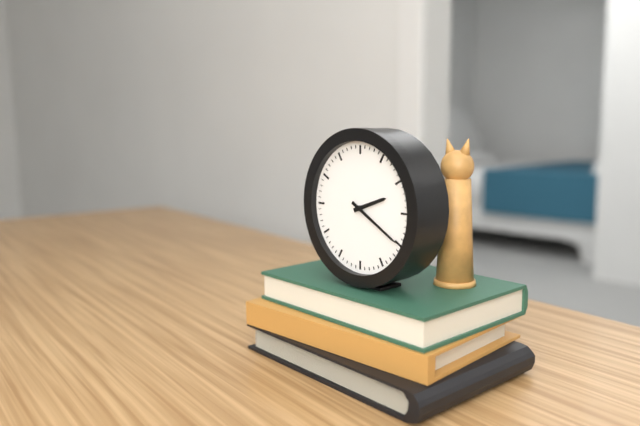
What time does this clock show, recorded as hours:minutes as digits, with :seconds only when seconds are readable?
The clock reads 2:20
